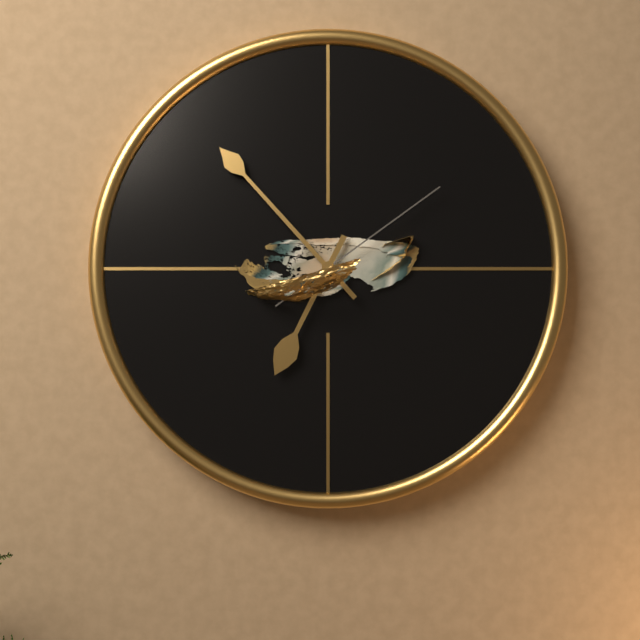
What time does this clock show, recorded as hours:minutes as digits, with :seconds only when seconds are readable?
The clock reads 6:53:09
